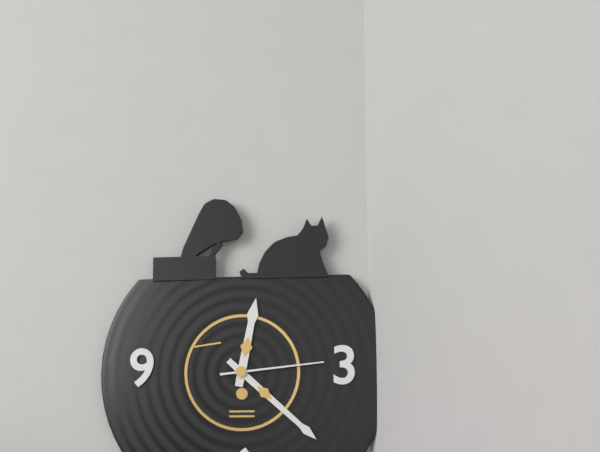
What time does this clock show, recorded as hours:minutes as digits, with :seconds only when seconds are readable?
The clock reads 12:22:14
